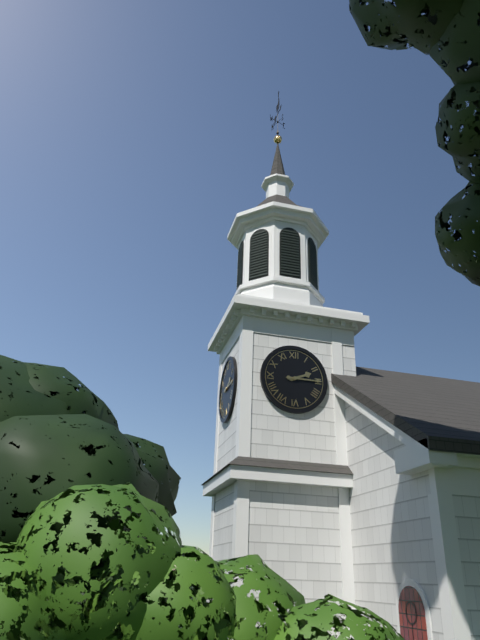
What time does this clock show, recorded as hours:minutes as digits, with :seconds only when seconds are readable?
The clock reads 2:15
